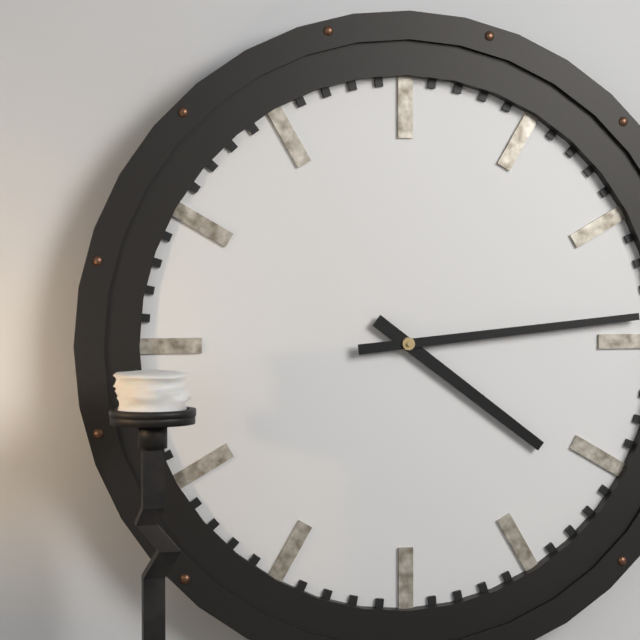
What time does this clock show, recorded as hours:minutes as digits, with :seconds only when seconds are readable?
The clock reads 4:14
